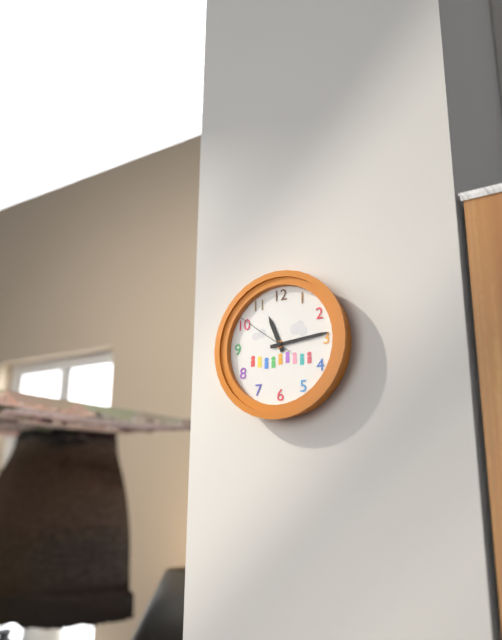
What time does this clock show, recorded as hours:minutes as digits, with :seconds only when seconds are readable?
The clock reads 11:14:51
